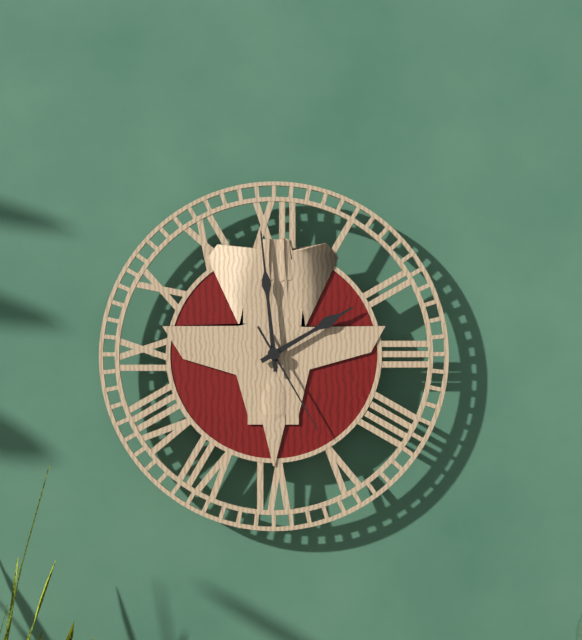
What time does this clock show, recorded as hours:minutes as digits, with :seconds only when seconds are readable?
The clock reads 1:59:25
